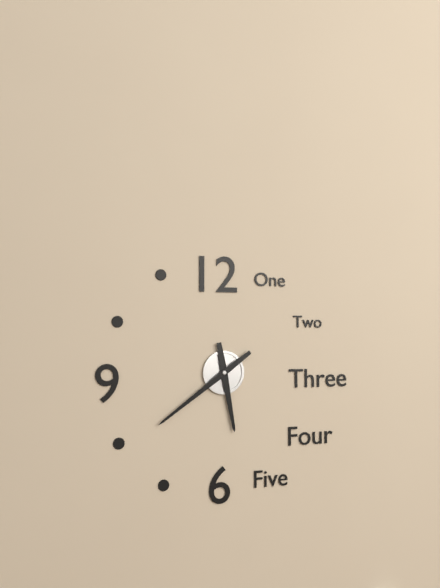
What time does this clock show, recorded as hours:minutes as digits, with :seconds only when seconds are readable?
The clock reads 5:39
